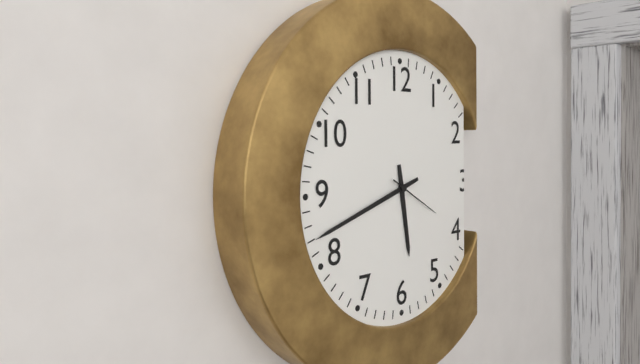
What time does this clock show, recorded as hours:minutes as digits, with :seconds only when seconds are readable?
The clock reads 5:42:20
